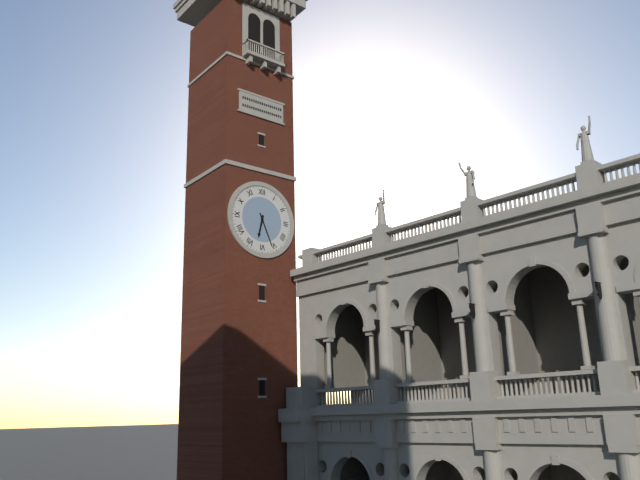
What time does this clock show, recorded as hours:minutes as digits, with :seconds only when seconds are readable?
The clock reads 6:26
